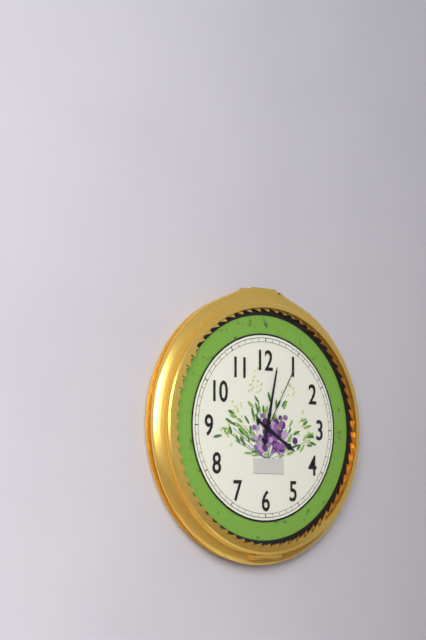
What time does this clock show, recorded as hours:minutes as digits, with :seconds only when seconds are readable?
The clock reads 4:02:05
